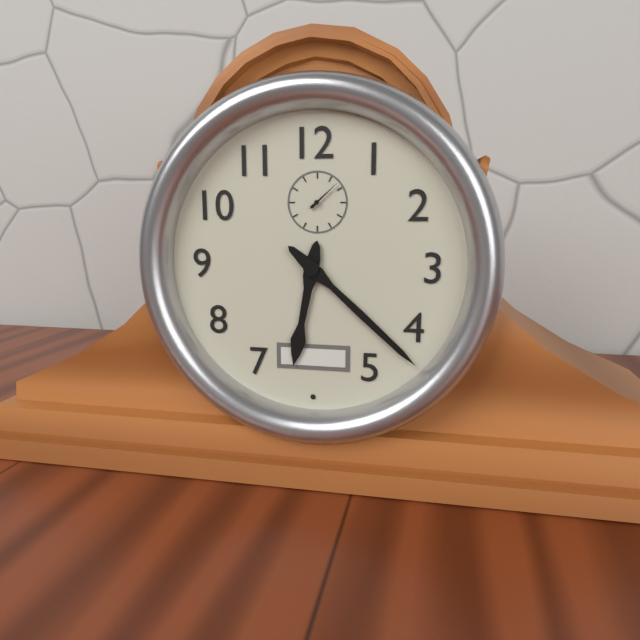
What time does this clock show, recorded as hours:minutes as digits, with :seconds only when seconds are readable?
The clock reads 6:22
